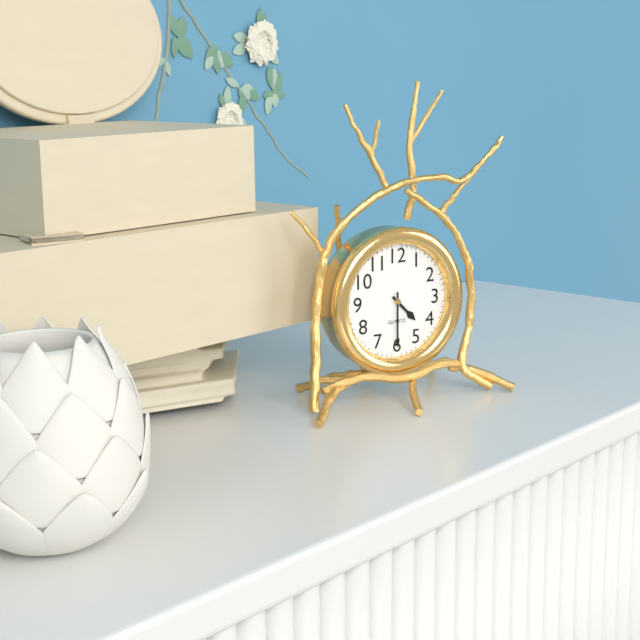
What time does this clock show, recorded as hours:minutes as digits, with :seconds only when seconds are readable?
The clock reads 4:30
